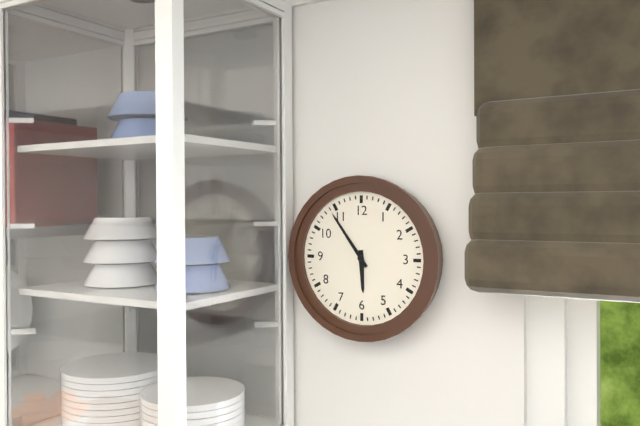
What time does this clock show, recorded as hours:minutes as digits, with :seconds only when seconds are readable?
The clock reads 5:54
